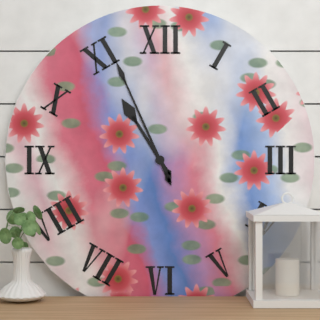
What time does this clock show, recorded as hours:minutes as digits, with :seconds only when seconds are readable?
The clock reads 10:56
